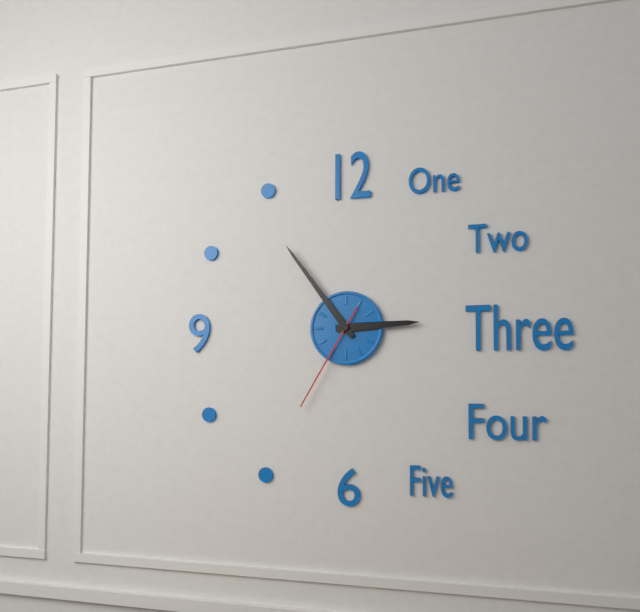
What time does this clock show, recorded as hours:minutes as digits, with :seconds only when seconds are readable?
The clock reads 2:54:35
